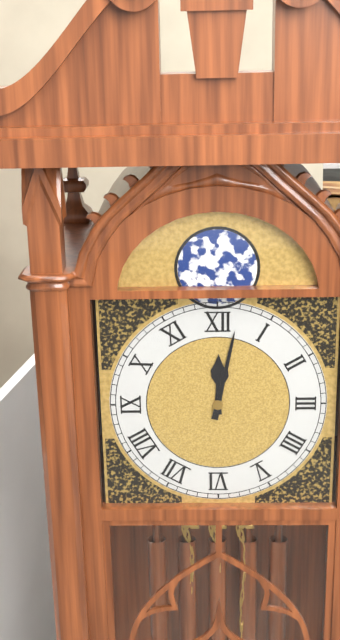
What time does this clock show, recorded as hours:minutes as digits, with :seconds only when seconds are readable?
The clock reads 12:02
